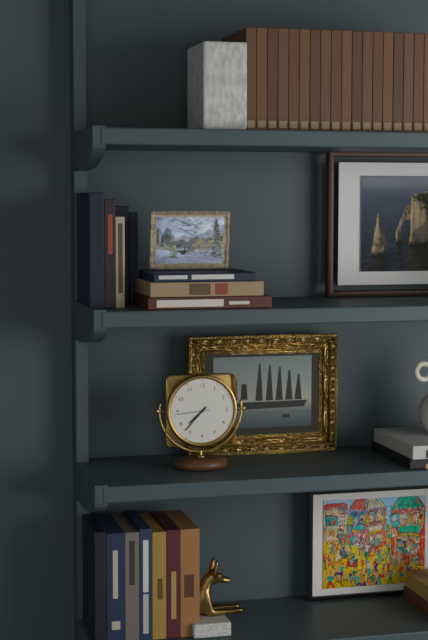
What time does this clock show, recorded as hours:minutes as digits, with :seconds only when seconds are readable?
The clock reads 7:37
